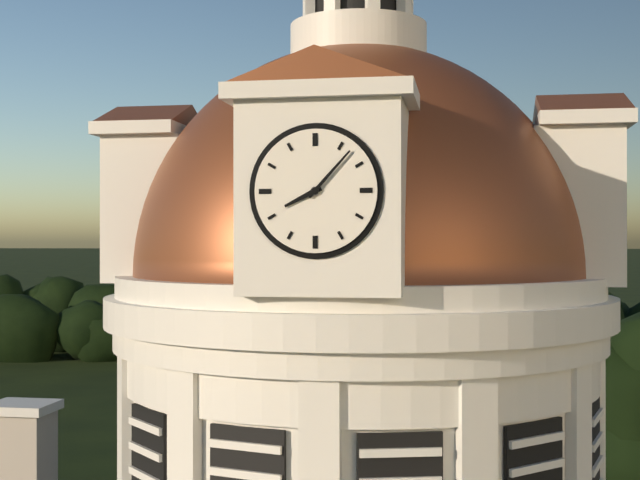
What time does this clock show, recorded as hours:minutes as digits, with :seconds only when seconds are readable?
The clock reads 8:07
